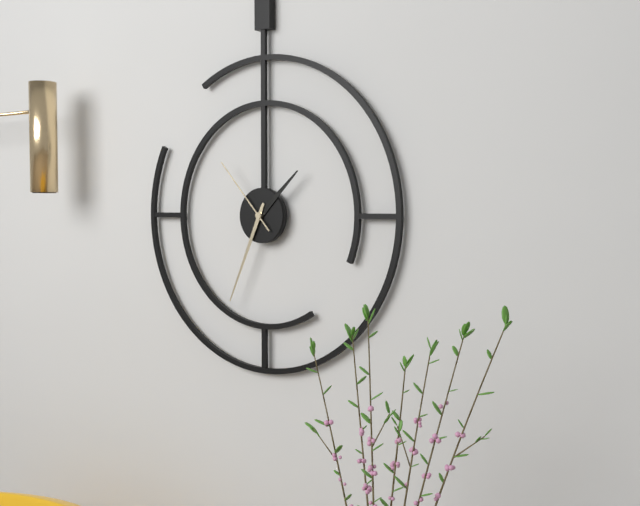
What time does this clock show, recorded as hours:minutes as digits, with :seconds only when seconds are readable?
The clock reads 1:34:53
